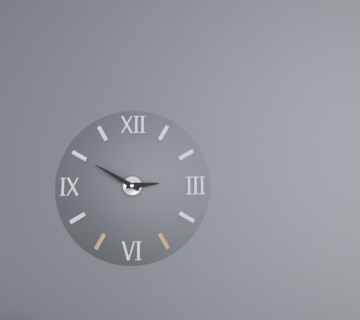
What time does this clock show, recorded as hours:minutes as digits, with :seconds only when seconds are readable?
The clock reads 2:50
